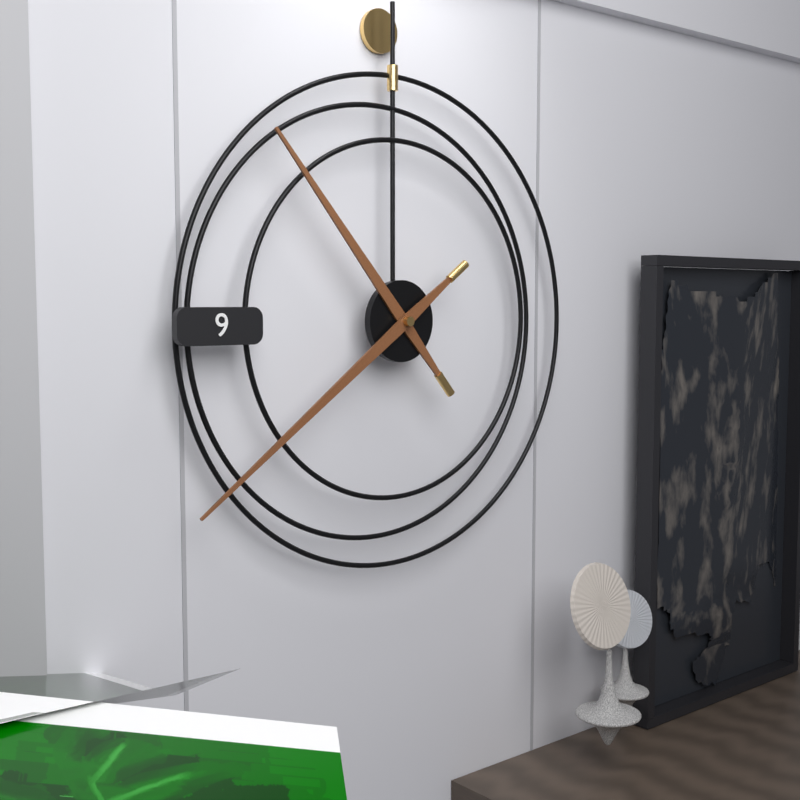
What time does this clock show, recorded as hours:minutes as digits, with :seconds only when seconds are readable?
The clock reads 10:39
